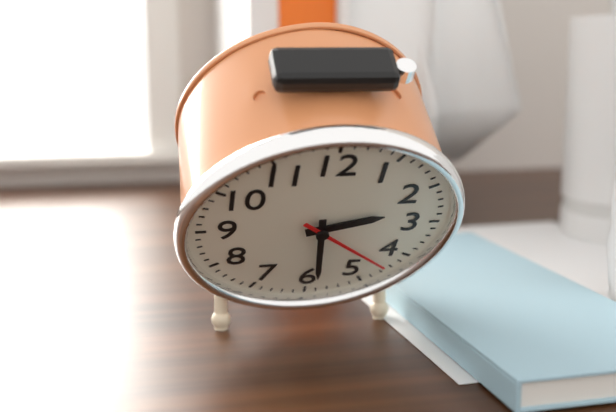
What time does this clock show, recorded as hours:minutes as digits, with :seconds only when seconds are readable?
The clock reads 2:29:22
